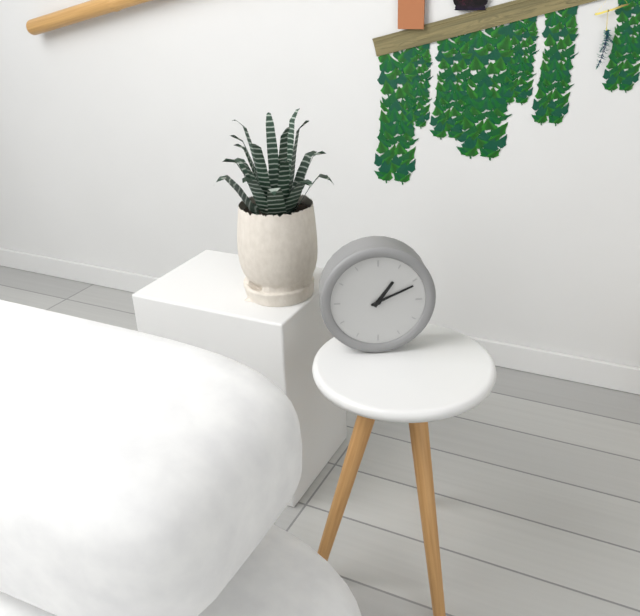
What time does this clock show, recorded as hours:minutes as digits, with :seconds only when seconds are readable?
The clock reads 1:11
